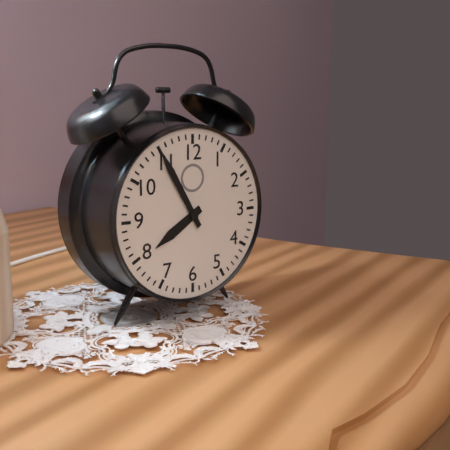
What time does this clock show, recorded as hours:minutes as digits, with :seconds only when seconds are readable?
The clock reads 7:55
